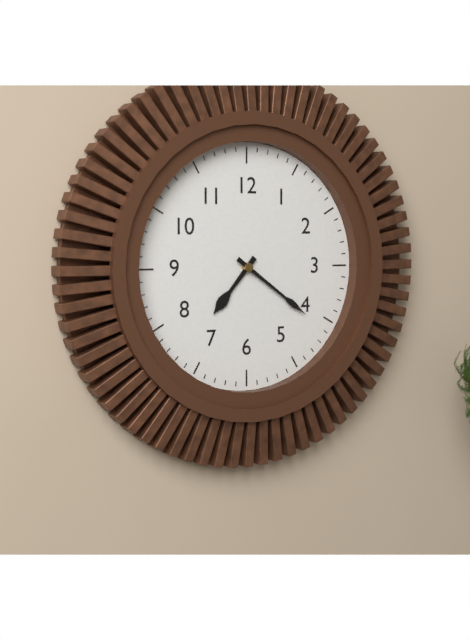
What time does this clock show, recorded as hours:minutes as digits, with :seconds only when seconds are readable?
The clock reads 7:21
